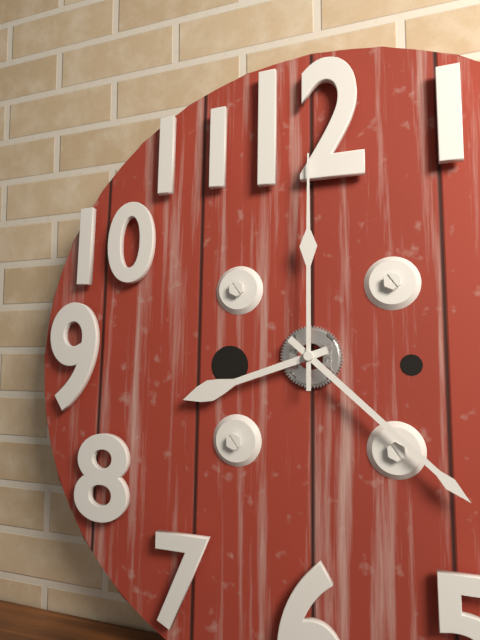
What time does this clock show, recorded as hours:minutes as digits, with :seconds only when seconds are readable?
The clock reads 8:22:00
